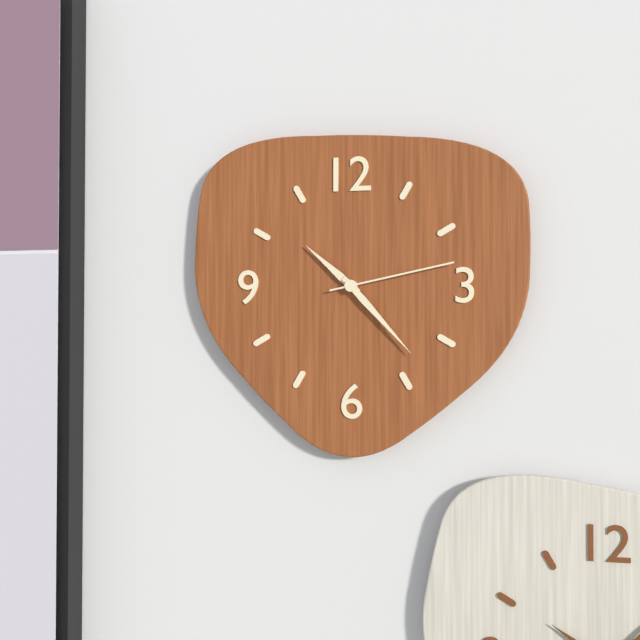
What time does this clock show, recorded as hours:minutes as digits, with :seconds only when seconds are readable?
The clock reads 10:23:13
